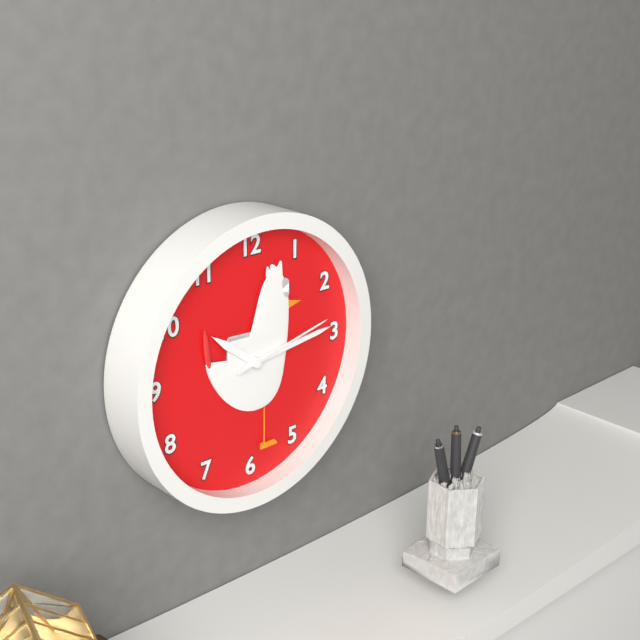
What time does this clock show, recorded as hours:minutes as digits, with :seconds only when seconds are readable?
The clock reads 10:14:13
